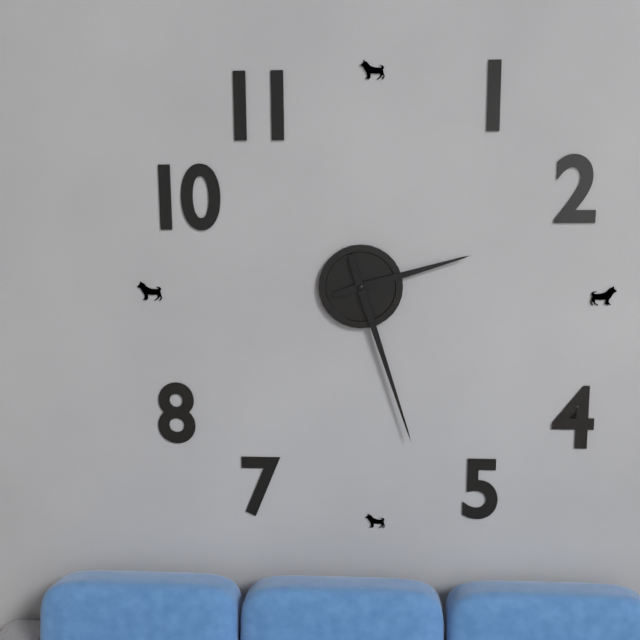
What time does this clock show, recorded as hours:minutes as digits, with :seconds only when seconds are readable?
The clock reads 2:27
